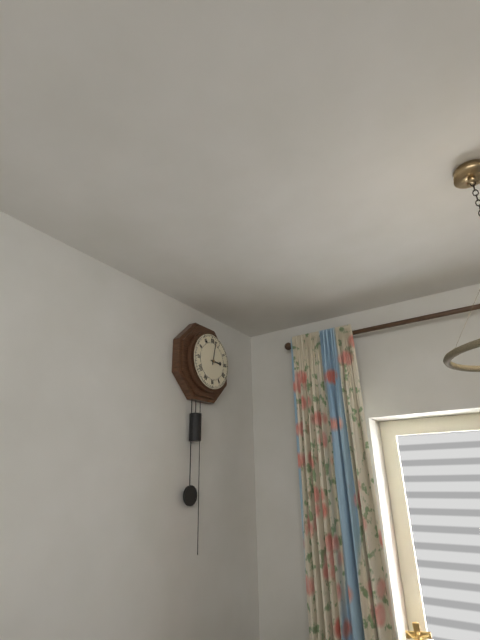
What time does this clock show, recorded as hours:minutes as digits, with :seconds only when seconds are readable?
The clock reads 3:02
